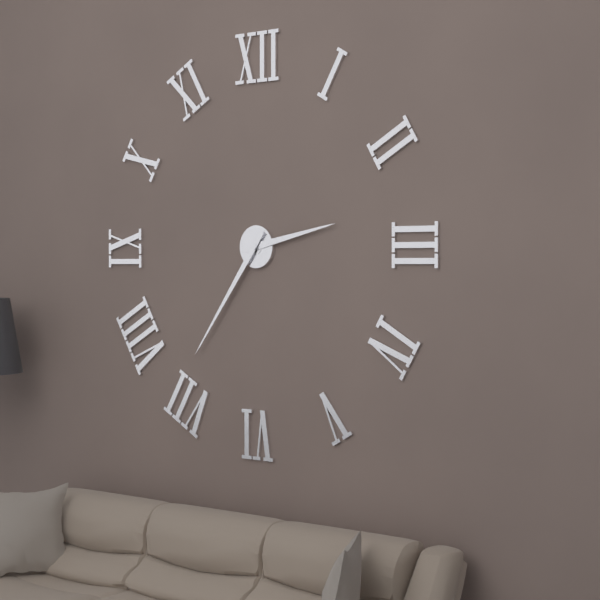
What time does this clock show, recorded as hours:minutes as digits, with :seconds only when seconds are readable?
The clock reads 2:36
